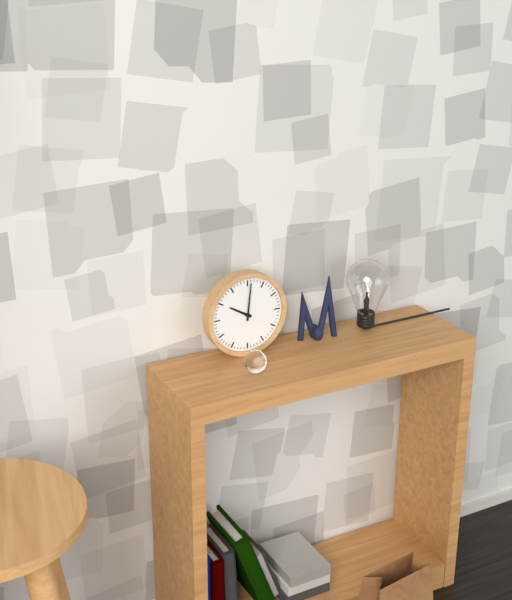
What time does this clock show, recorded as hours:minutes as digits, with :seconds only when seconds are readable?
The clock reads 10:01
